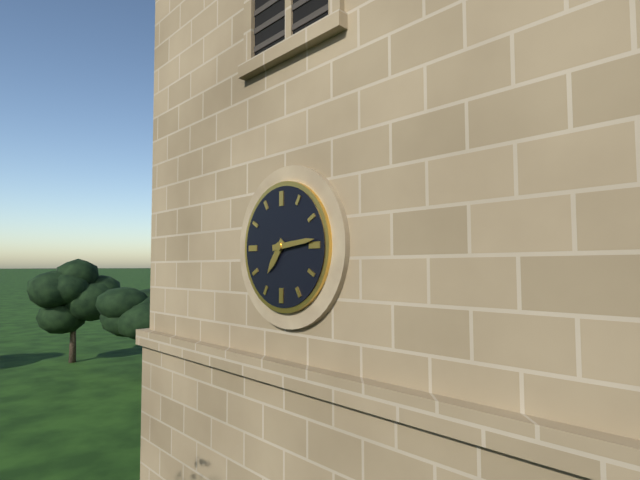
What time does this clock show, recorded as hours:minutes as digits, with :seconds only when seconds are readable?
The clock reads 7:14
